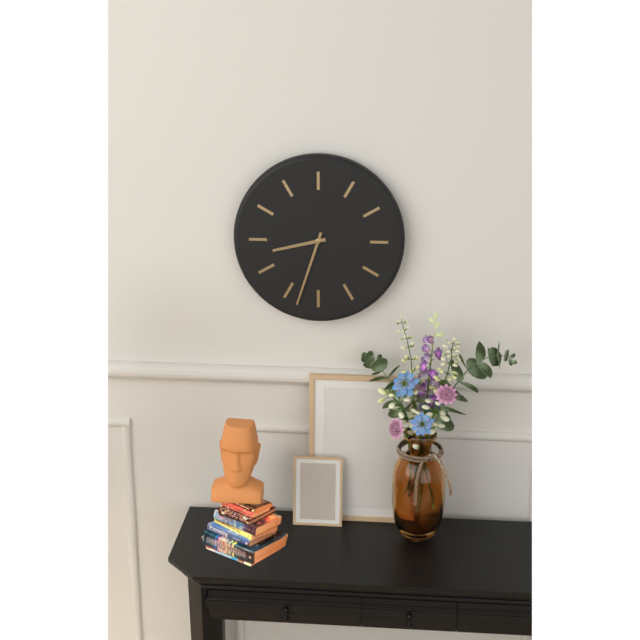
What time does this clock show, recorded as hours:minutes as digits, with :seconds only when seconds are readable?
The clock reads 8:33
